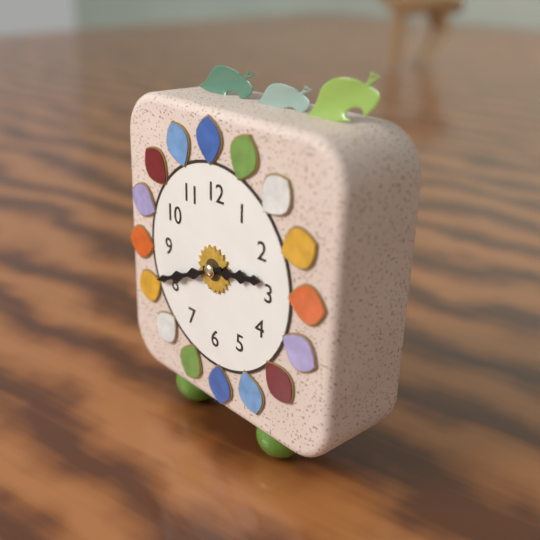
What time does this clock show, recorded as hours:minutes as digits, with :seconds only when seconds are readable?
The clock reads 2:41
